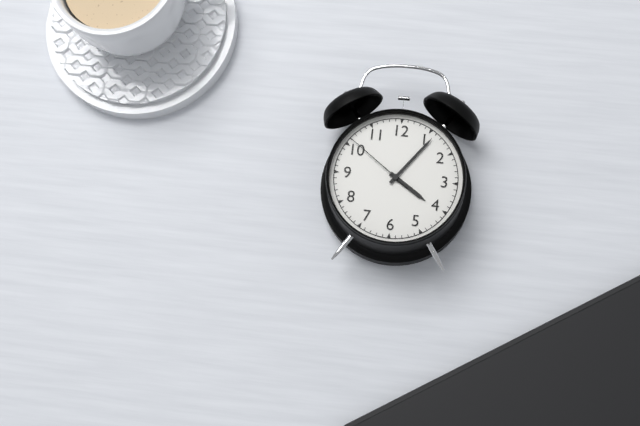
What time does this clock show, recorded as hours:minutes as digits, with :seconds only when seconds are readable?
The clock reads 4:06:51
